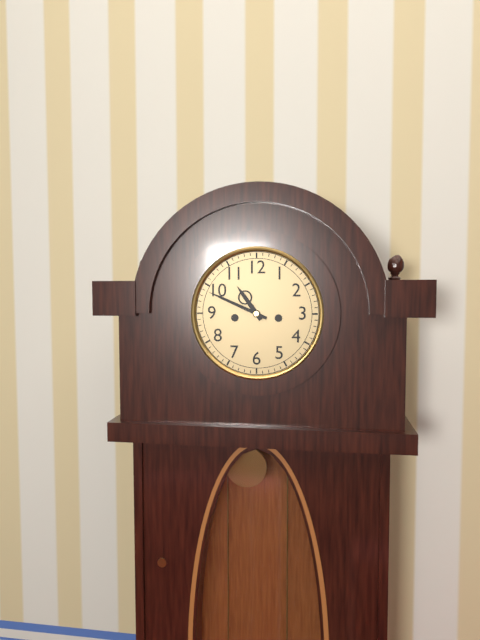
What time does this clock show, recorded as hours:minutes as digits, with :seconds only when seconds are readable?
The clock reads 10:49
